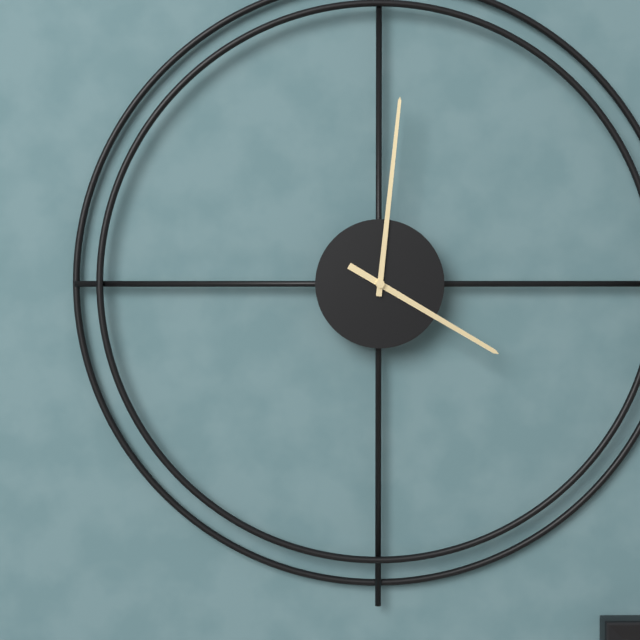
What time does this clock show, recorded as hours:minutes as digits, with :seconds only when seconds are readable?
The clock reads 4:01
